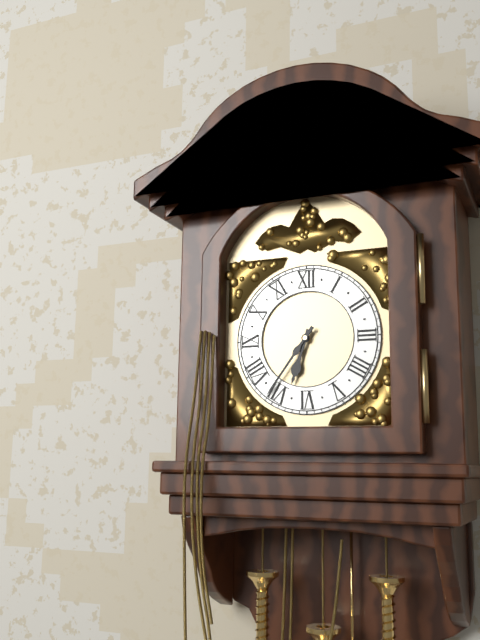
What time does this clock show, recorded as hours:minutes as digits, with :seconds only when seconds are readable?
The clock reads 6:36
